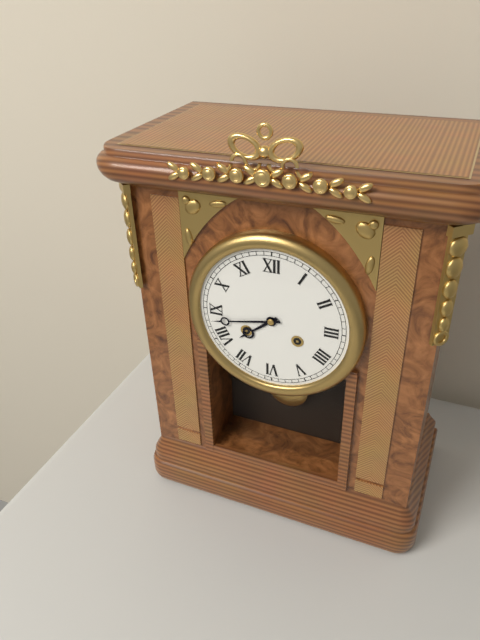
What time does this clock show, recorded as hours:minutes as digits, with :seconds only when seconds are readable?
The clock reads 7:43
